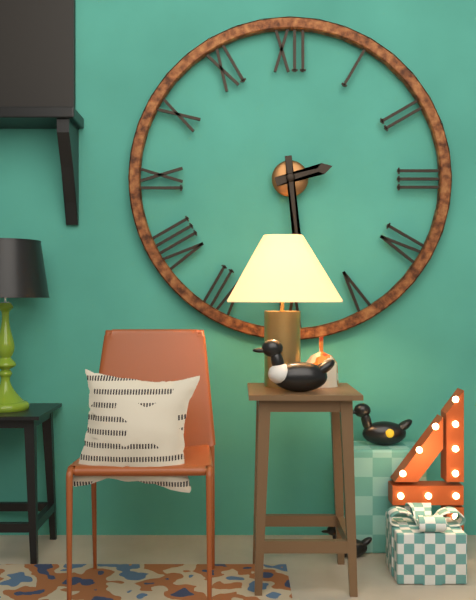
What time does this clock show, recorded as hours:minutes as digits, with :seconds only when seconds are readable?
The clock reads 2:29
